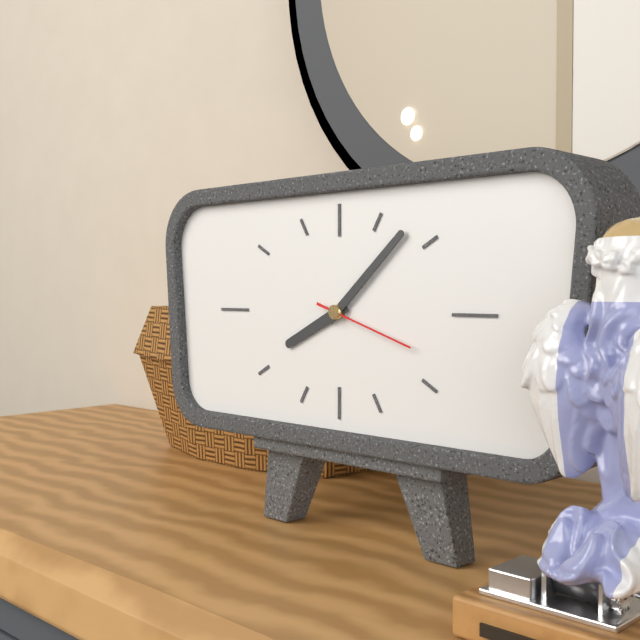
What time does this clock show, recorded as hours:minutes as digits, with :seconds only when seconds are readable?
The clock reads 8:08:18
